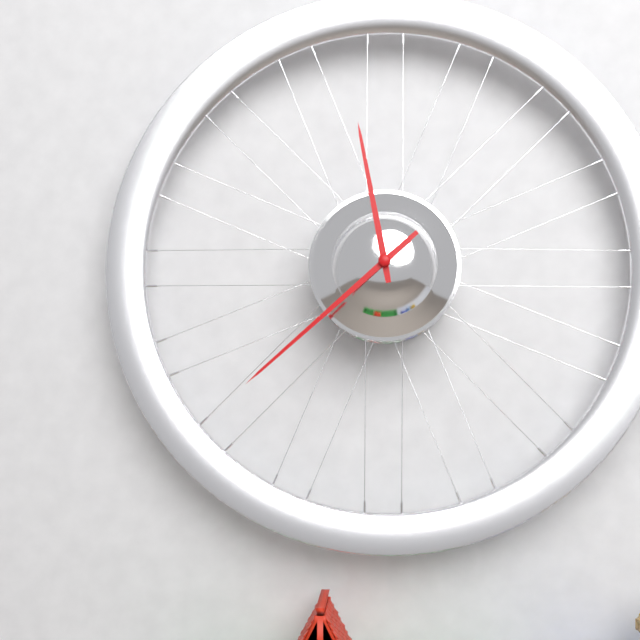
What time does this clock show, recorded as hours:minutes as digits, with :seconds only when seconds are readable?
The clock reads 11:38
